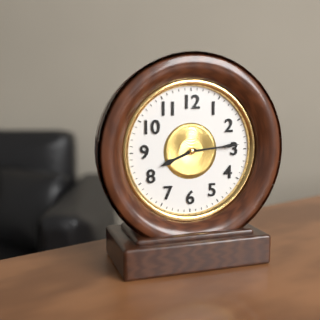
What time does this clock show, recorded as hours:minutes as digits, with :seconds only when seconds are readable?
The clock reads 8:14
